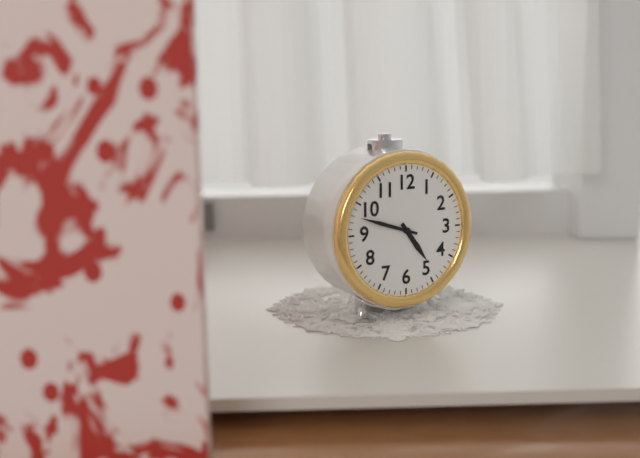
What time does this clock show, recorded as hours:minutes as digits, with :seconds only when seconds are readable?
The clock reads 4:48
